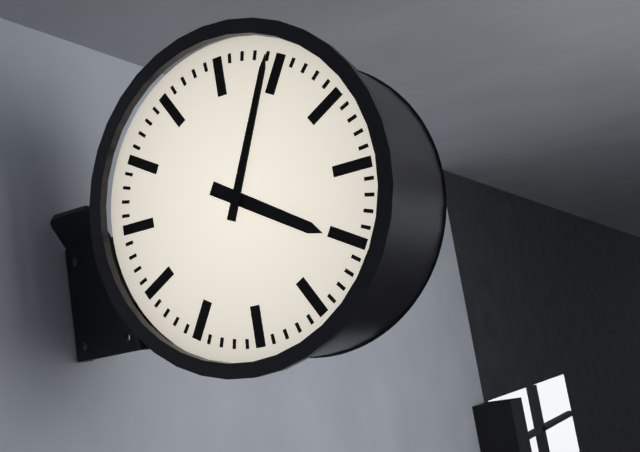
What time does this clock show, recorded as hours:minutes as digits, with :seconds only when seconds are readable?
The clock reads 4:04
